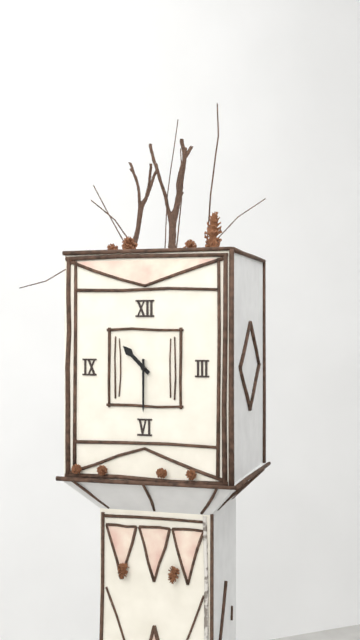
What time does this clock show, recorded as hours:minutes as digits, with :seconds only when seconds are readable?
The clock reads 10:30
